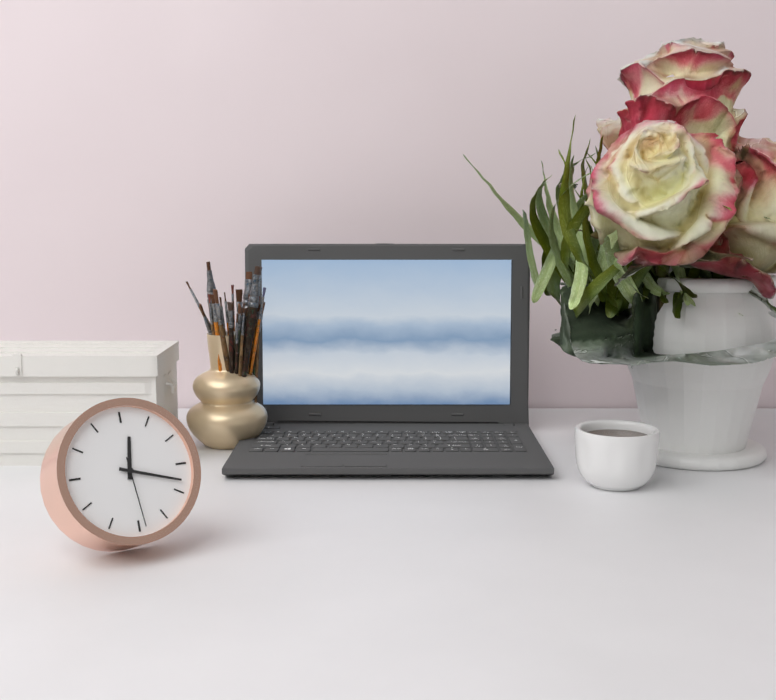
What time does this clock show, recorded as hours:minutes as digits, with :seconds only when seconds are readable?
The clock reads 12:18:29
